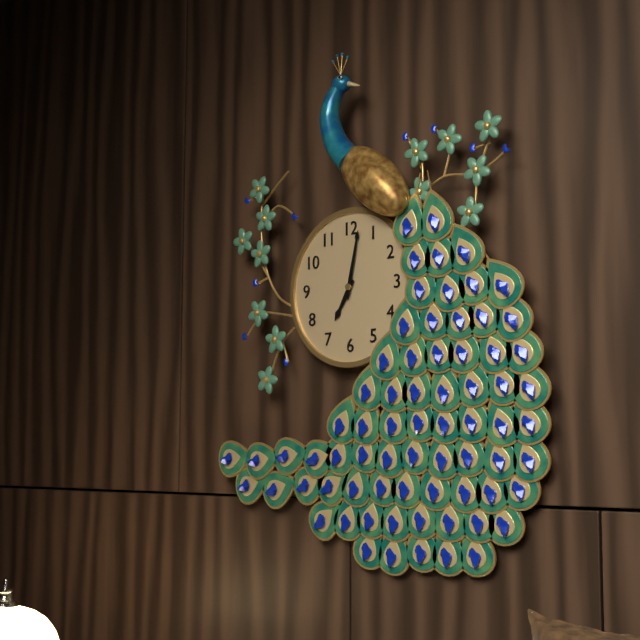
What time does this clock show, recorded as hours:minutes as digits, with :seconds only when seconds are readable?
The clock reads 7:02
